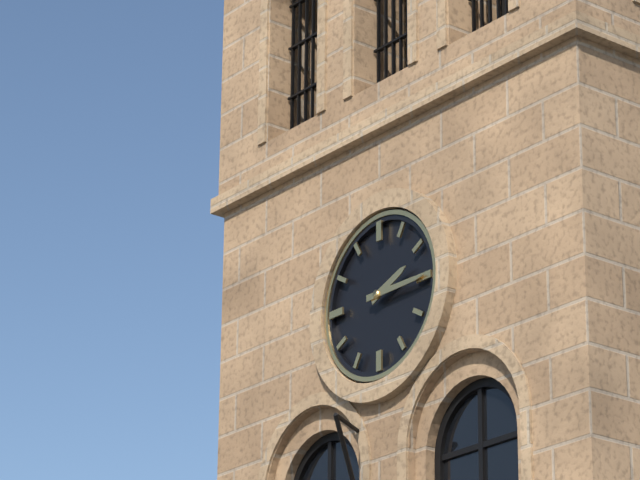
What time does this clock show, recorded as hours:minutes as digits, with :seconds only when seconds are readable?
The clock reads 2:15
